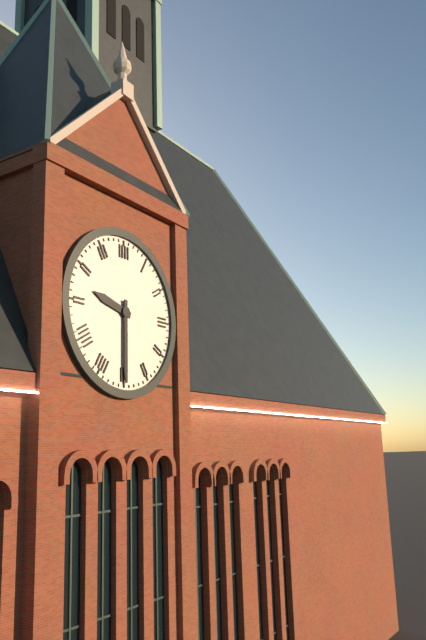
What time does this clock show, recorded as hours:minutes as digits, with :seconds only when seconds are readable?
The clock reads 9:30
